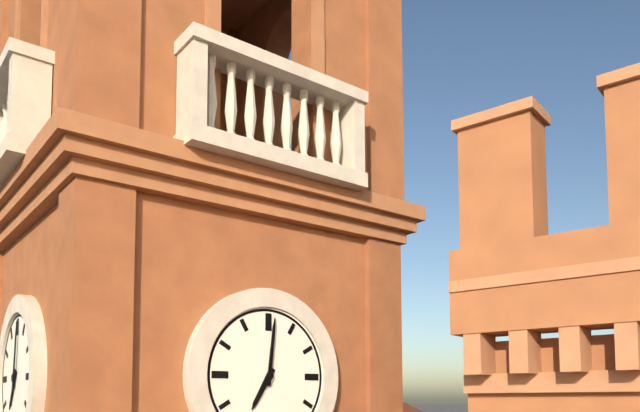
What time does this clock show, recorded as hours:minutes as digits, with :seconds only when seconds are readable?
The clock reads 7:01
